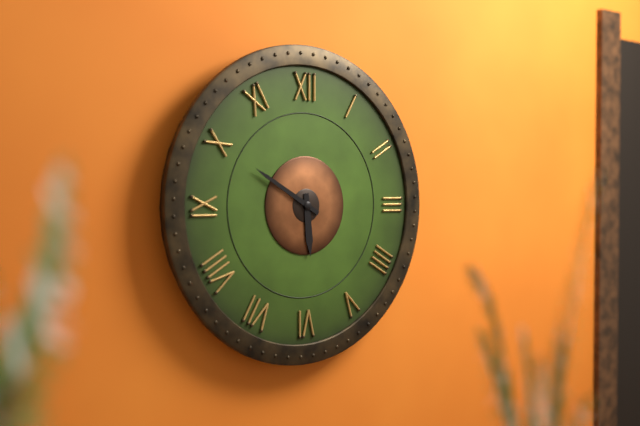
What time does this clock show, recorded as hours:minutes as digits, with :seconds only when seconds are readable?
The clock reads 5:50
